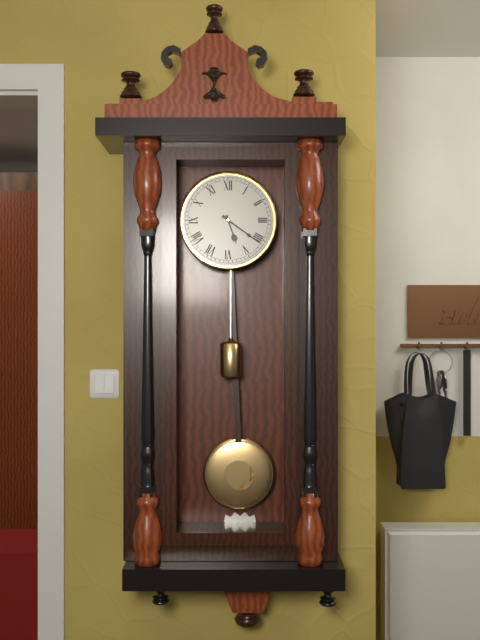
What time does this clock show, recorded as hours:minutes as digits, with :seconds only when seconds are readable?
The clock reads 5:21
